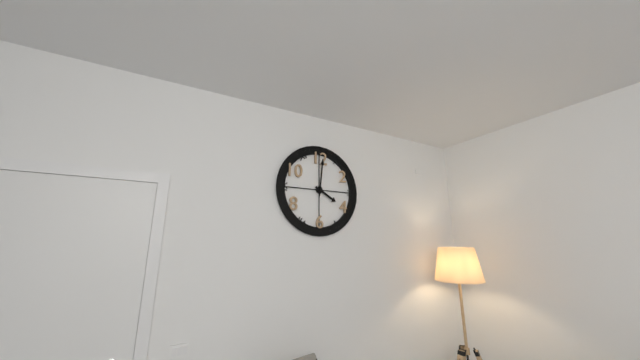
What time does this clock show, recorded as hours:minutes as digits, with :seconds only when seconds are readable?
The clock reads 4:01
